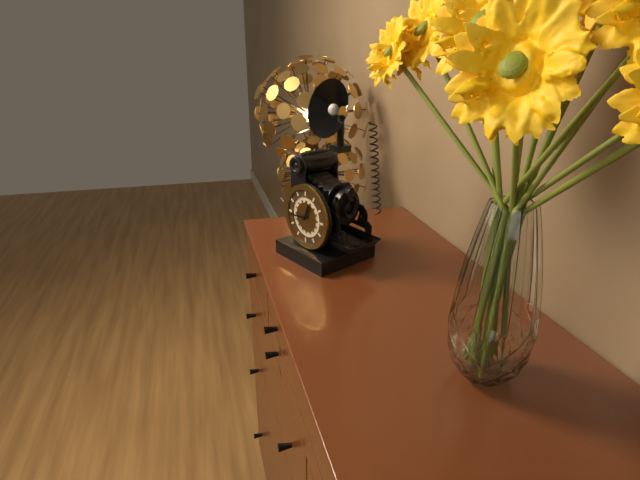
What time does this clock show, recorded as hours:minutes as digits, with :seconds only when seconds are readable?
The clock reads 12:44
